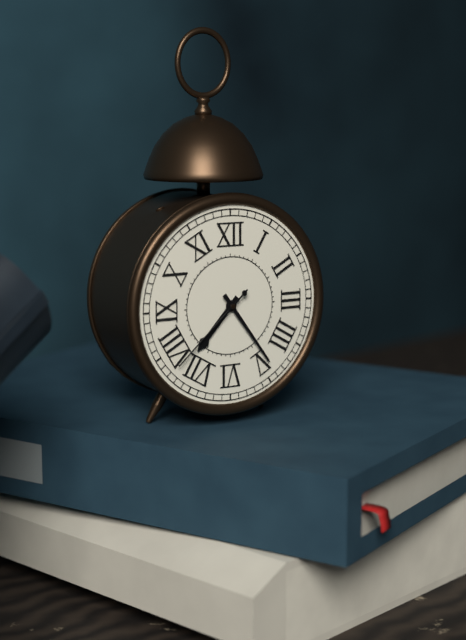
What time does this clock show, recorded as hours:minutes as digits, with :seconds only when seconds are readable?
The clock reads 7:24:38
